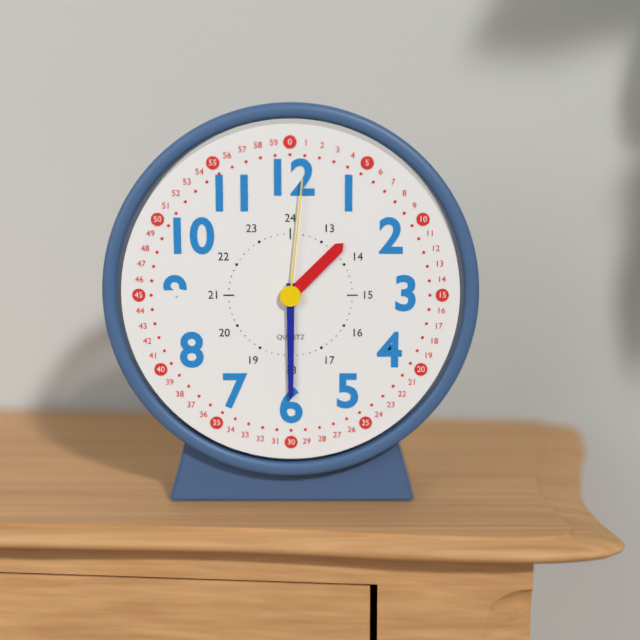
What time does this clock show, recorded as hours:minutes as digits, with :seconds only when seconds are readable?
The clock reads 1:30:01
